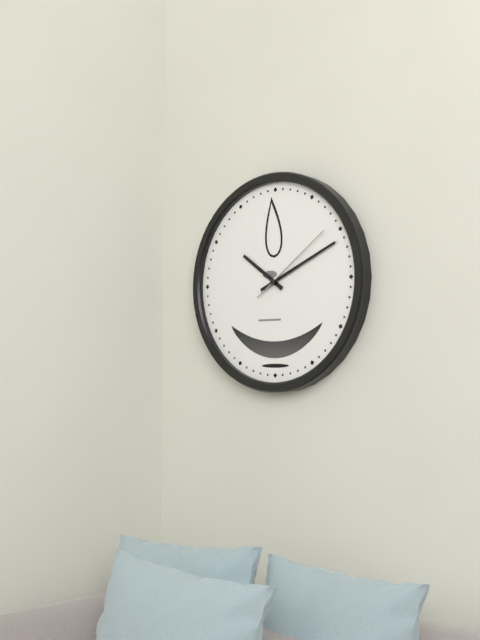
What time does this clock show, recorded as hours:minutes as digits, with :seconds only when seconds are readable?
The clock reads 10:11:09
